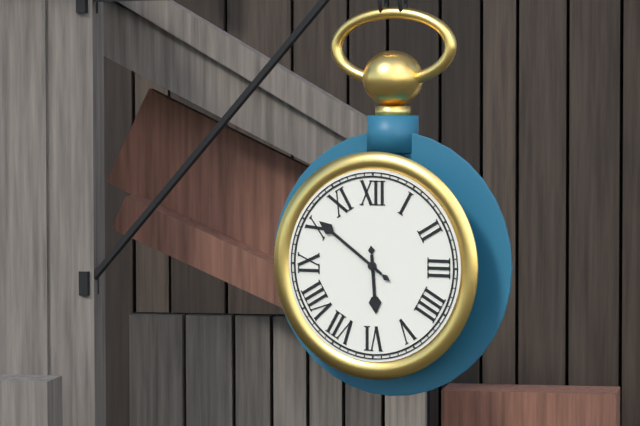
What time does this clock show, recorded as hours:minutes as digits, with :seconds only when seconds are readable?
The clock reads 5:51
